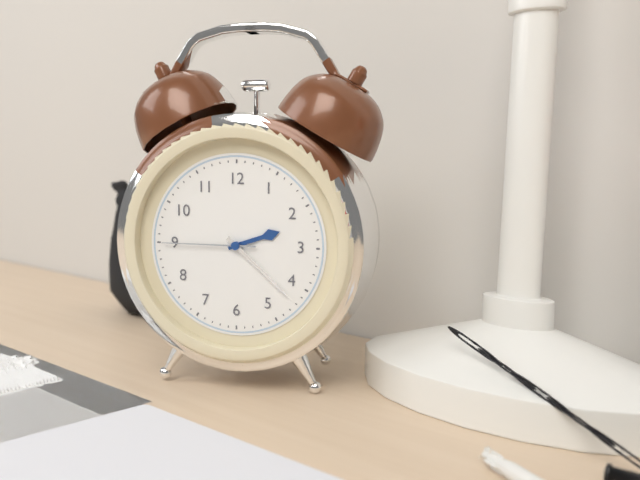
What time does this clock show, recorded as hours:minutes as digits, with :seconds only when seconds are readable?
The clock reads 2:22:45
